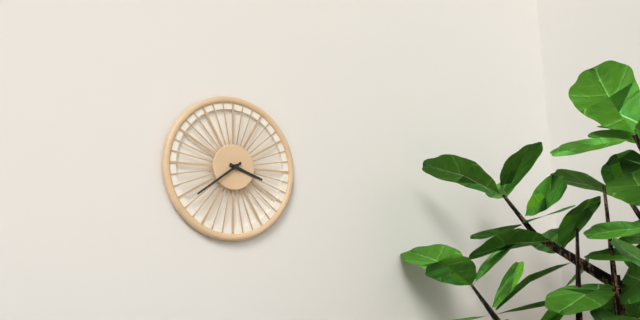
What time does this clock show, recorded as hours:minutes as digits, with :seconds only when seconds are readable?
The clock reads 3:39
